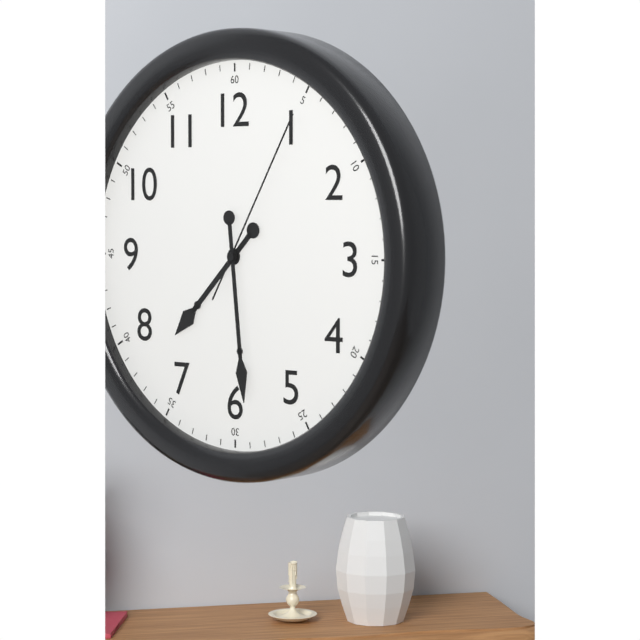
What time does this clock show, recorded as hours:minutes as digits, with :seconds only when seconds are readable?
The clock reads 7:29:05
